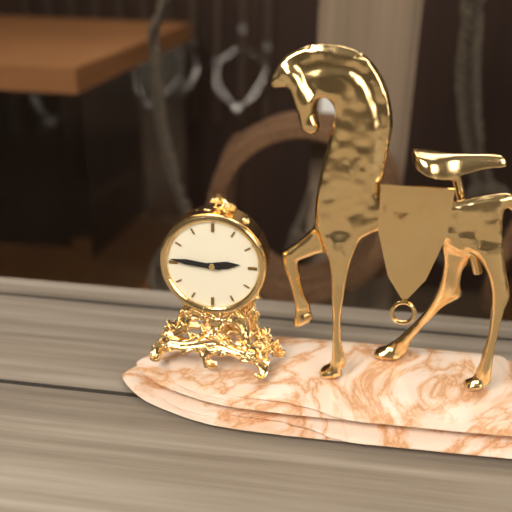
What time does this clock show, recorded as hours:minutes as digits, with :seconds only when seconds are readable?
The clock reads 2:46
